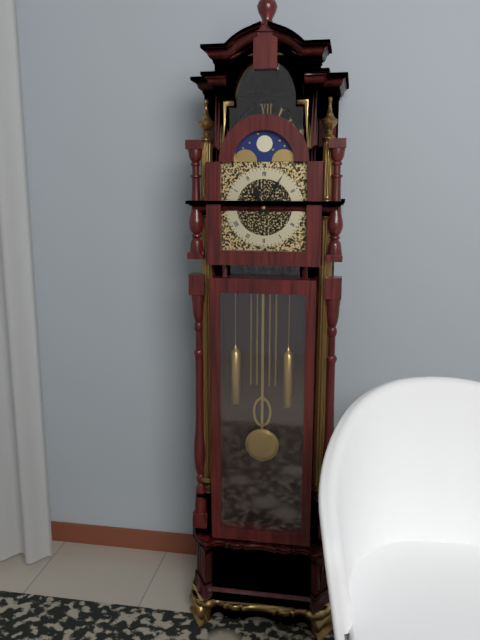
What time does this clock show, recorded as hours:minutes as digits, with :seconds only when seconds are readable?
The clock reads 11:05
